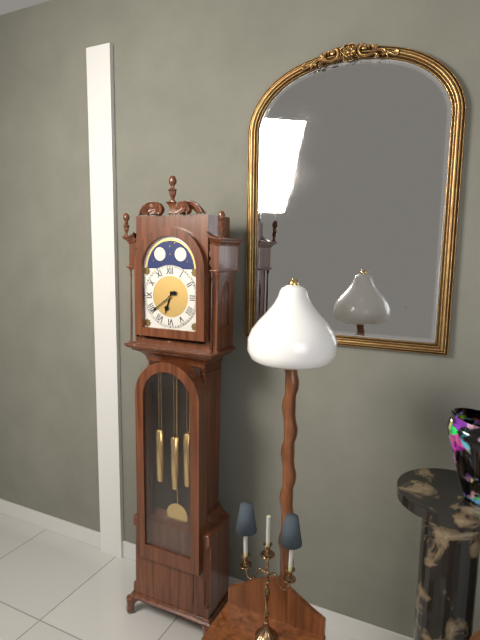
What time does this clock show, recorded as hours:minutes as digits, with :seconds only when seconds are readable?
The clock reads 6:39
